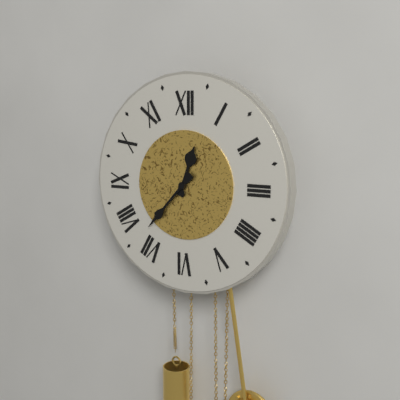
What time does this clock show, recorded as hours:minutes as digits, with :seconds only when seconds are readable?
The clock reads 12:37
